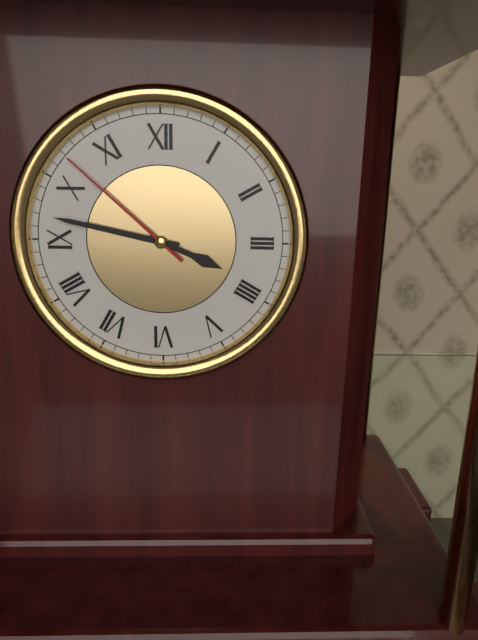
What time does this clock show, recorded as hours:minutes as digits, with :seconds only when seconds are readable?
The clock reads 3:47:52
